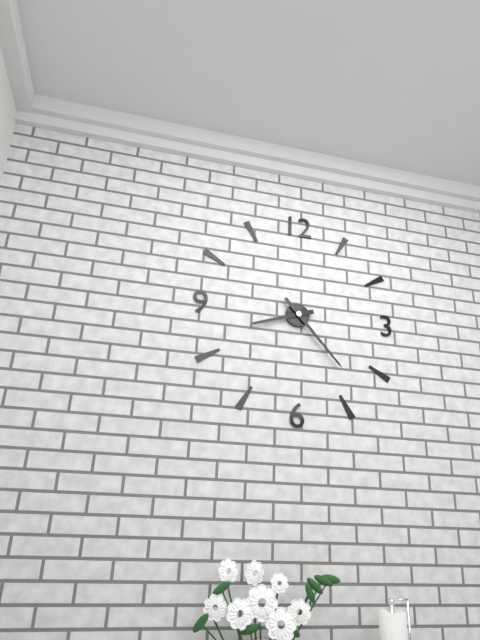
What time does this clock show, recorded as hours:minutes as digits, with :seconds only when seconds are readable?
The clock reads 8:23
